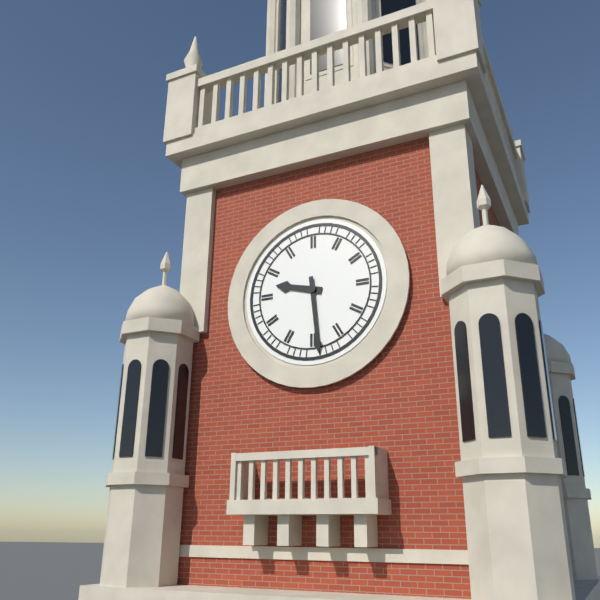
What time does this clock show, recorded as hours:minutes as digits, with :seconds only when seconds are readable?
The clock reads 9:29
